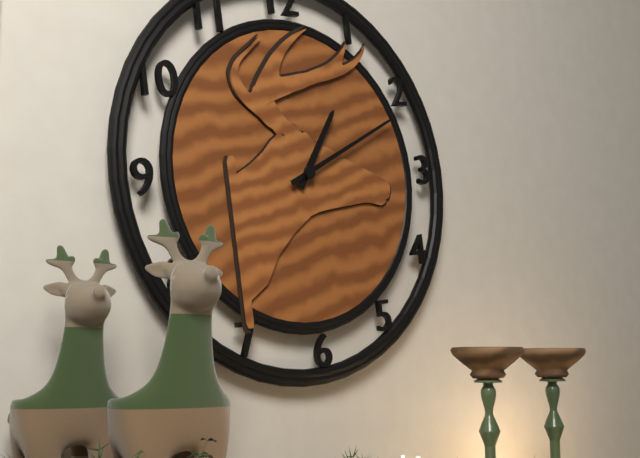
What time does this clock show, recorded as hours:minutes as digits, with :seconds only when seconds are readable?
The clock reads 1:11
